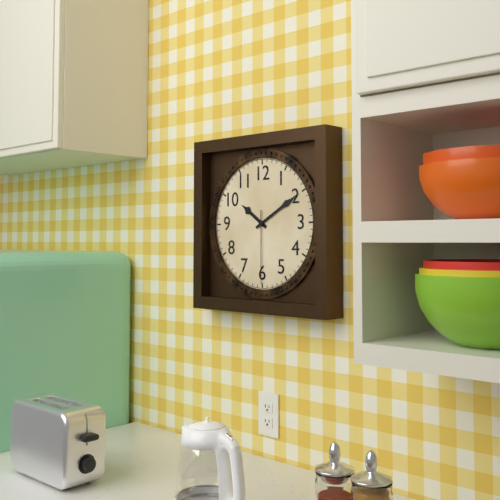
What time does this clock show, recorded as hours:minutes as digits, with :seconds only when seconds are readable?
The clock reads 10:10:30
